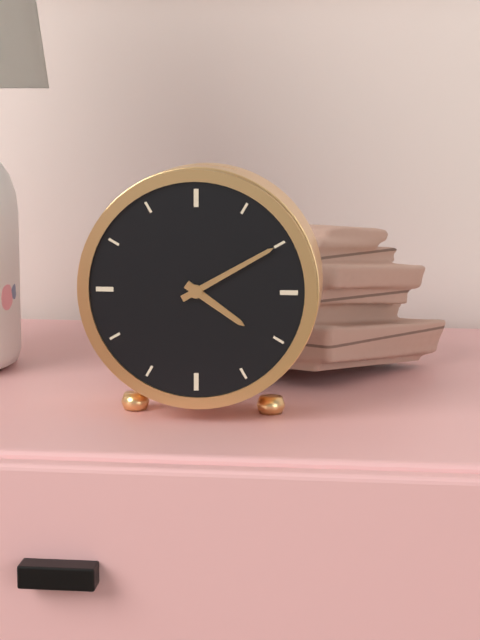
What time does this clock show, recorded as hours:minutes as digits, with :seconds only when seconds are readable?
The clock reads 4:10
